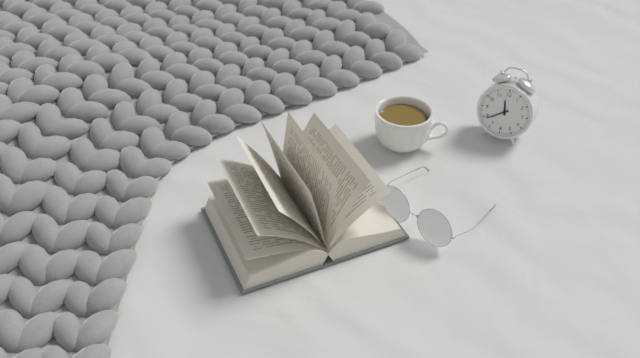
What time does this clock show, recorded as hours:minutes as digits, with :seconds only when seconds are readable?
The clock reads 11:39
